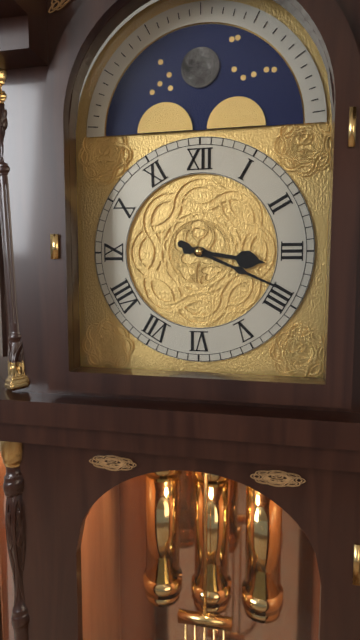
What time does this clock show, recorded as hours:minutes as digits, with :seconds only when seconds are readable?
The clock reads 3:19
